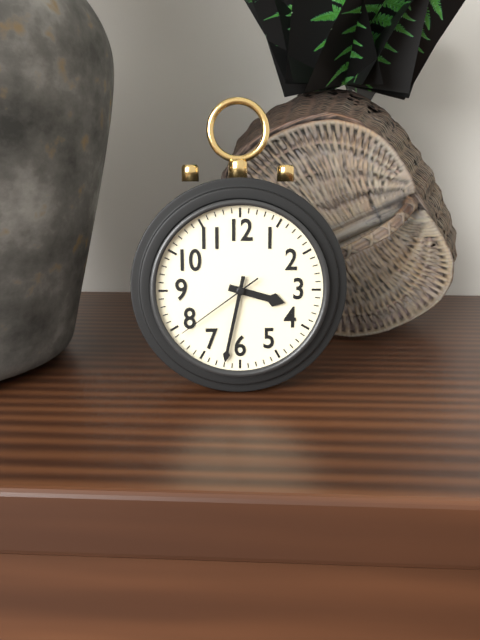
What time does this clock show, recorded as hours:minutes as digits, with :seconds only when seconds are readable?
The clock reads 3:32:39
